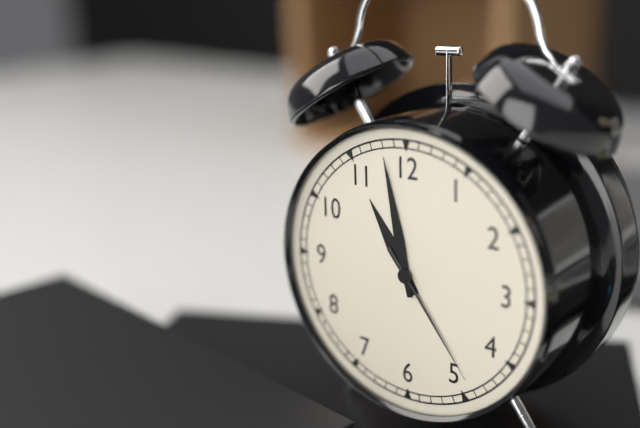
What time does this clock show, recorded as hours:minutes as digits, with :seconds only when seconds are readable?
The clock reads 10:58:24
